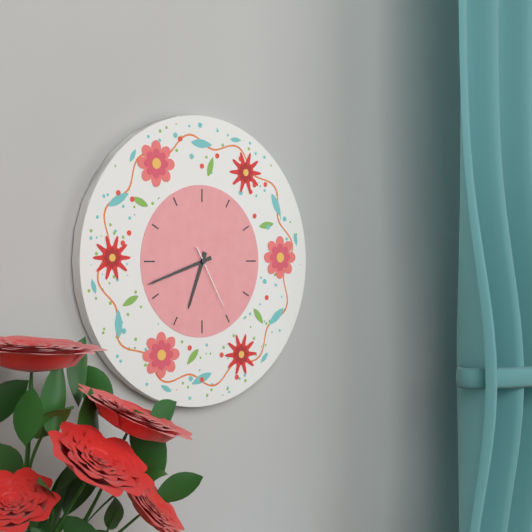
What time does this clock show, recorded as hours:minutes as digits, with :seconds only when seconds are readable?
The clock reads 6:42:25
